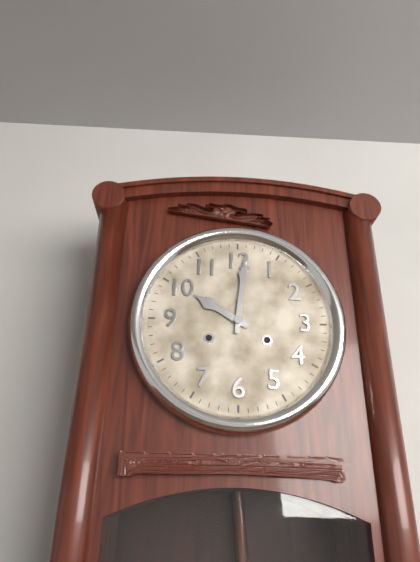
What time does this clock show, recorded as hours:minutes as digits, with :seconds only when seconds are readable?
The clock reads 10:01
